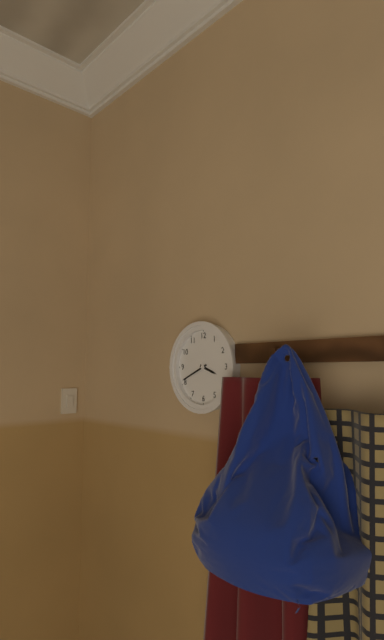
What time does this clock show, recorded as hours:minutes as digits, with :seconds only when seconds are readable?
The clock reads 3:41
